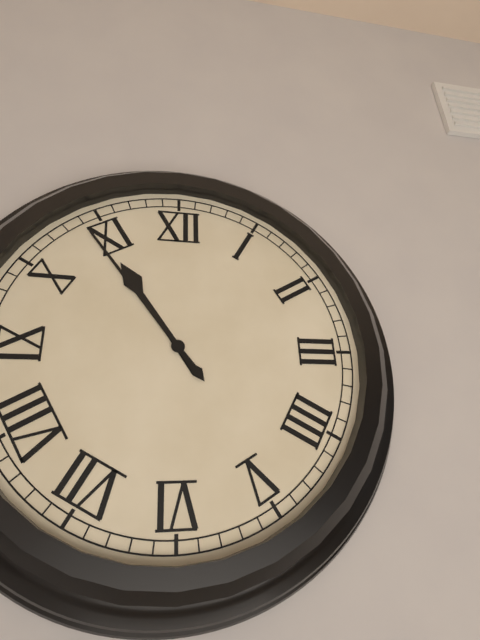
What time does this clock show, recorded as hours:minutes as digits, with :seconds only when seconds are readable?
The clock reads 10:54
